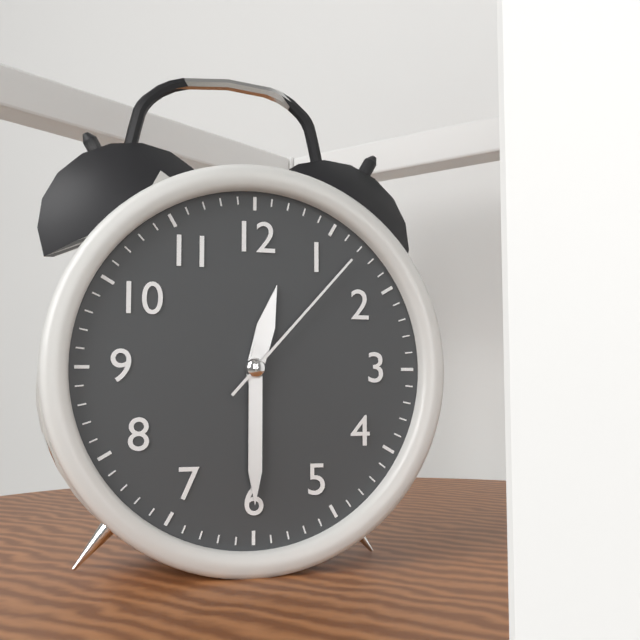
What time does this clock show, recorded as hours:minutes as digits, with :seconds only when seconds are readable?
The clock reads 12:30:07
